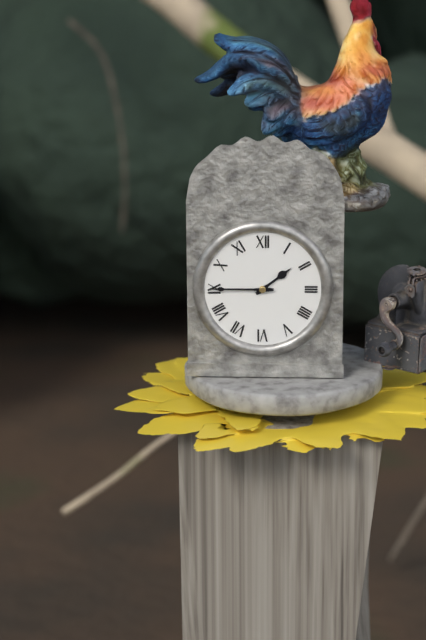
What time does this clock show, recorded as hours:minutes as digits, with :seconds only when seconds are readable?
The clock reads 1:45
